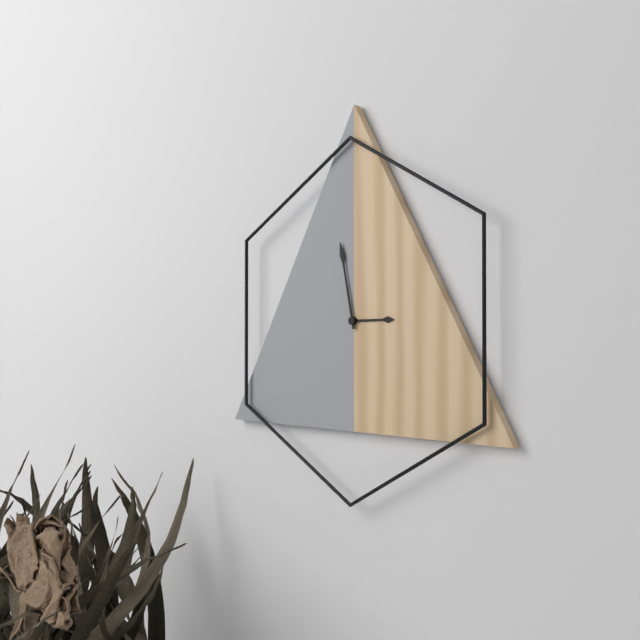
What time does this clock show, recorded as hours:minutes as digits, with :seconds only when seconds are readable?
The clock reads 2:58
